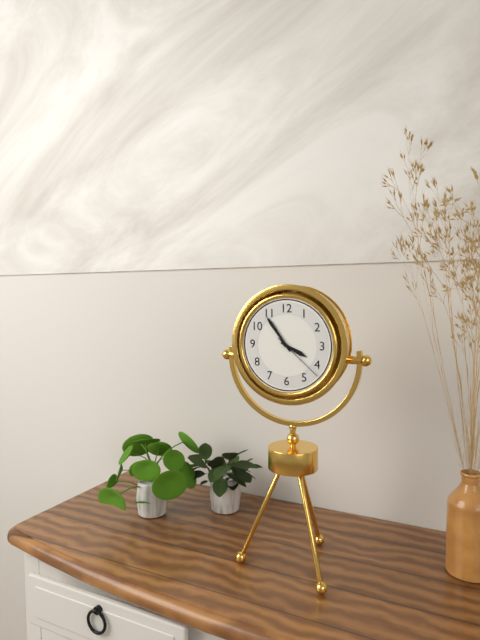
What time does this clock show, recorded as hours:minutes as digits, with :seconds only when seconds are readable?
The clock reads 3:54:22
